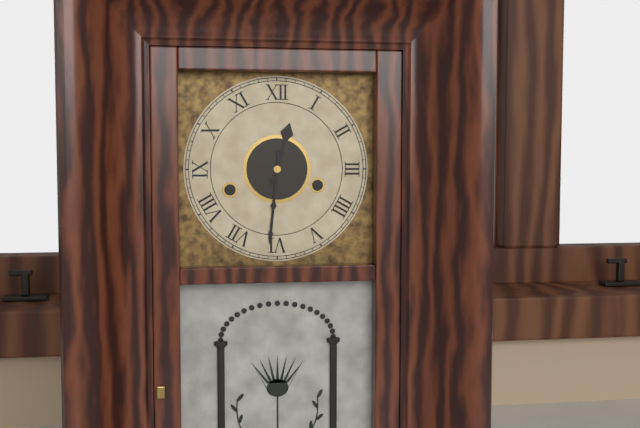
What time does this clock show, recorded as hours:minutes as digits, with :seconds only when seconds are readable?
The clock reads 12:31
